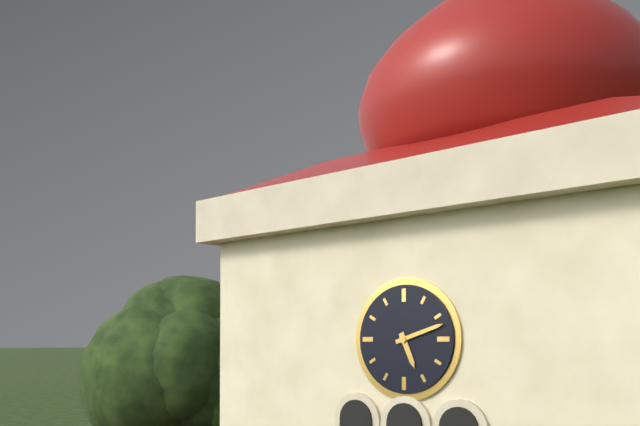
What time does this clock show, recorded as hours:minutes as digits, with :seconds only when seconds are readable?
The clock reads 5:12
